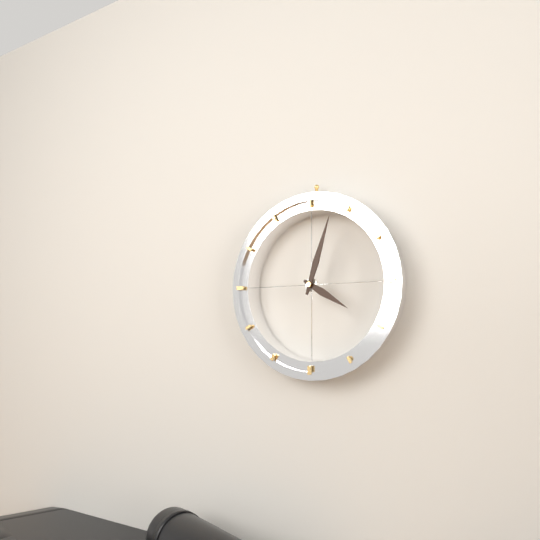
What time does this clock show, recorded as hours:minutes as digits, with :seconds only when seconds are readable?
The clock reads 4:03
